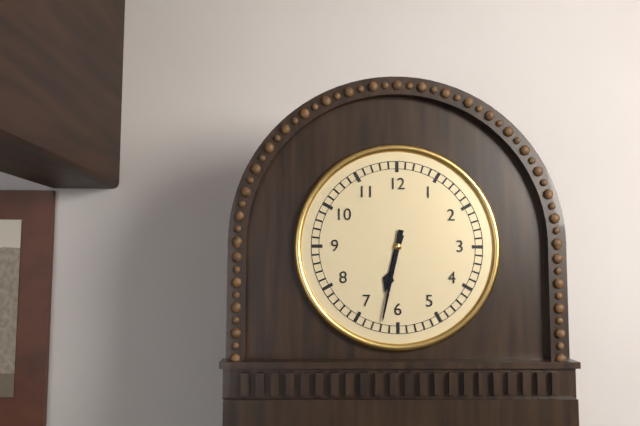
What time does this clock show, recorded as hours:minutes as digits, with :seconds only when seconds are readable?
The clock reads 6:32
